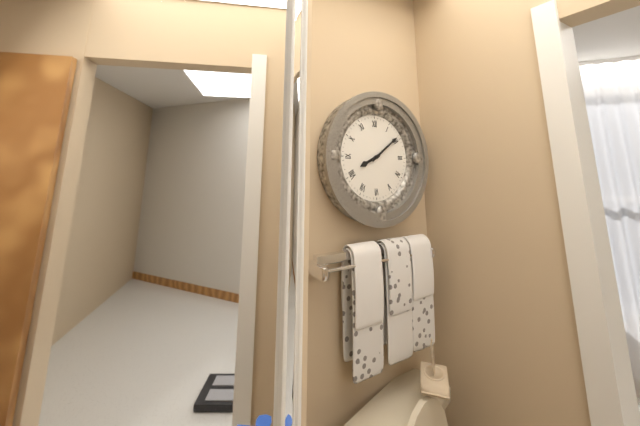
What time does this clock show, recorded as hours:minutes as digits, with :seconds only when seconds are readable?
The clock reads 8:09
